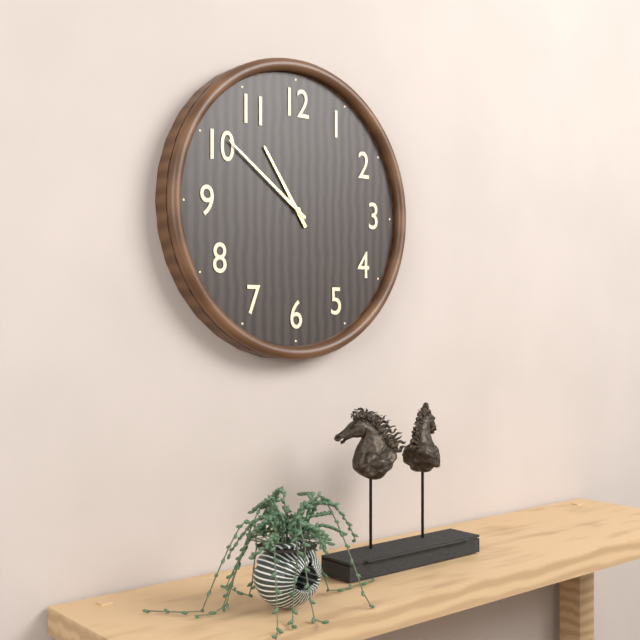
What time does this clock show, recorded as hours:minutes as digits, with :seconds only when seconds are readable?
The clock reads 10:51
